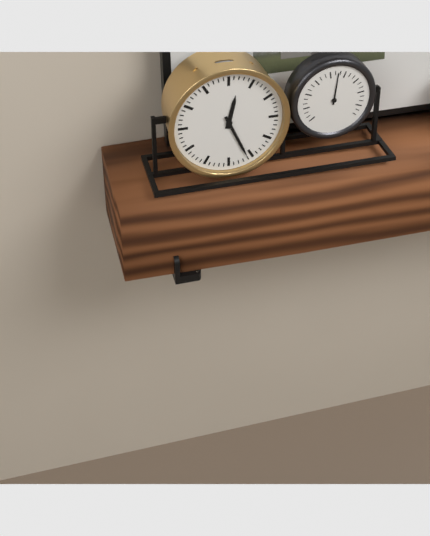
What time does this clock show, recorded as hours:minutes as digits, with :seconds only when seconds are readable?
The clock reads 12:26
